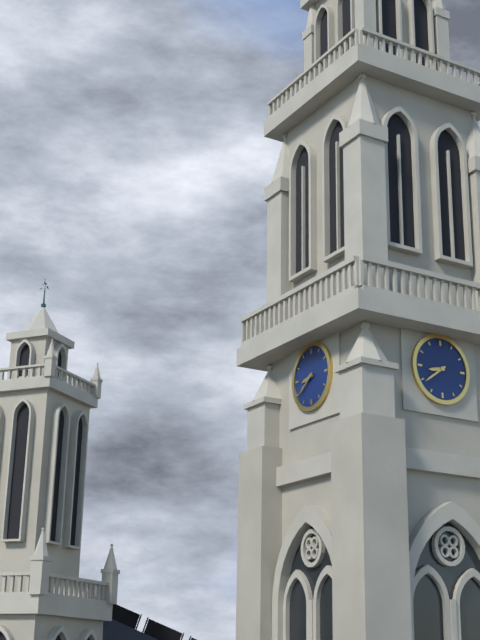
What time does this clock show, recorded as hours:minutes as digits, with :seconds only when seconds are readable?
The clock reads 8:39
